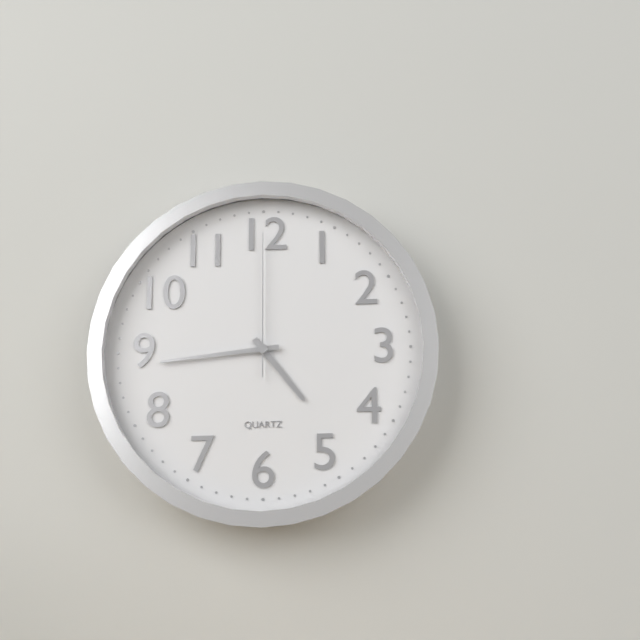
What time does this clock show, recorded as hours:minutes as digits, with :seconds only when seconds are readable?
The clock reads 4:44:00
